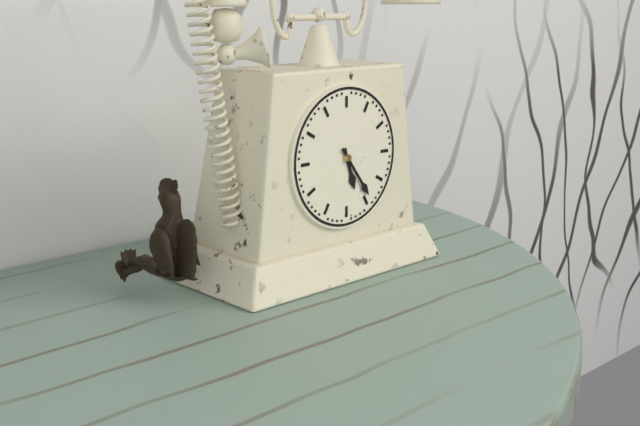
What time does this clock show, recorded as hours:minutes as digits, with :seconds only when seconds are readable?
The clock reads 5:24
